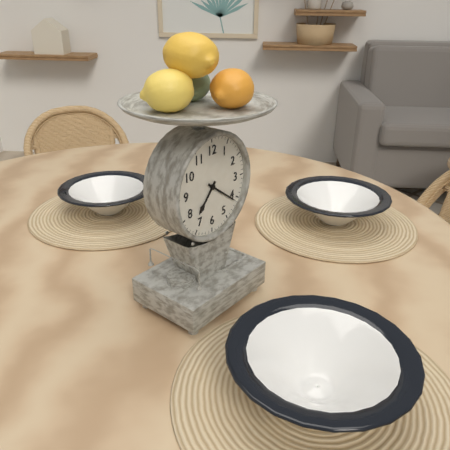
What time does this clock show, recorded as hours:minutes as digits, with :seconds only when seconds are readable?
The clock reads 7:21
